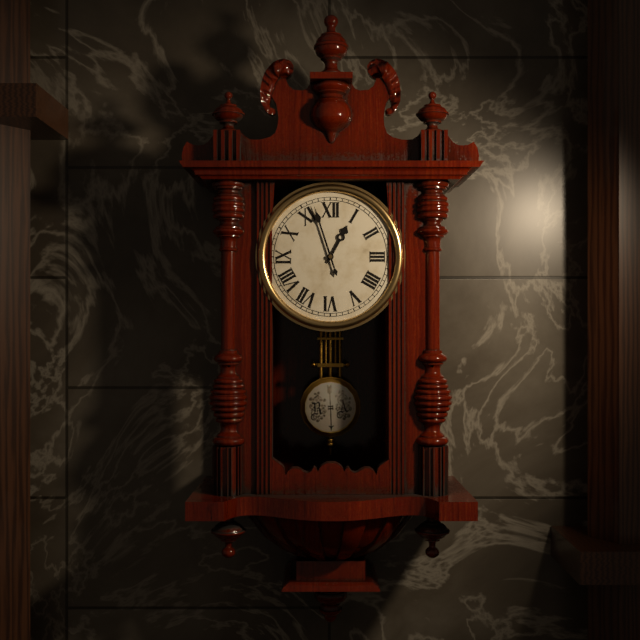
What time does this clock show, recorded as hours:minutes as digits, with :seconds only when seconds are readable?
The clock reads 12:57
